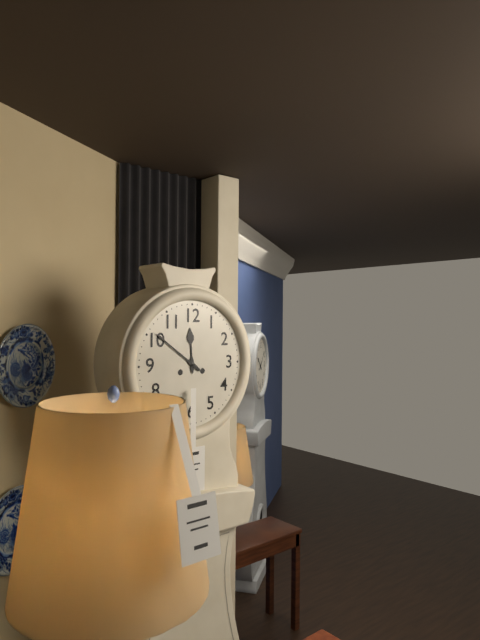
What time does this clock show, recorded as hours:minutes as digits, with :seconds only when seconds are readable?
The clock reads 11:51
